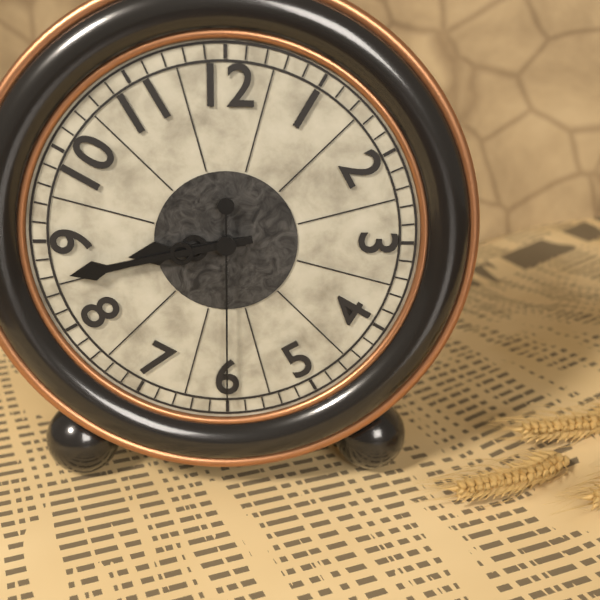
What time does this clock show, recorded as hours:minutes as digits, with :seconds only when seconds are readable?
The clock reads 8:43:30
